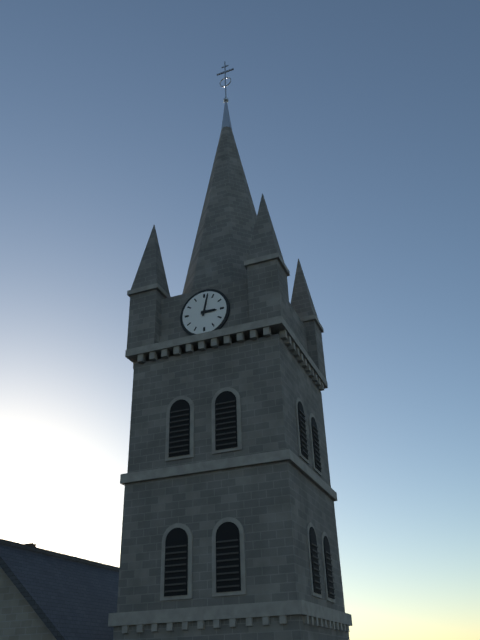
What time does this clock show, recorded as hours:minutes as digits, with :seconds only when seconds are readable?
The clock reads 3:02
